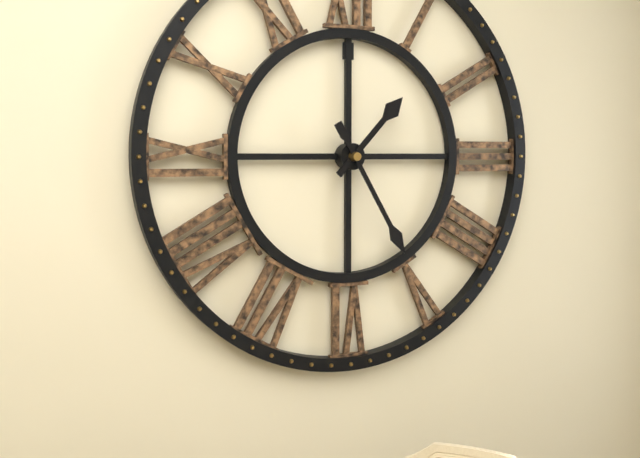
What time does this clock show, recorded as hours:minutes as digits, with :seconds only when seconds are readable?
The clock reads 1:25
